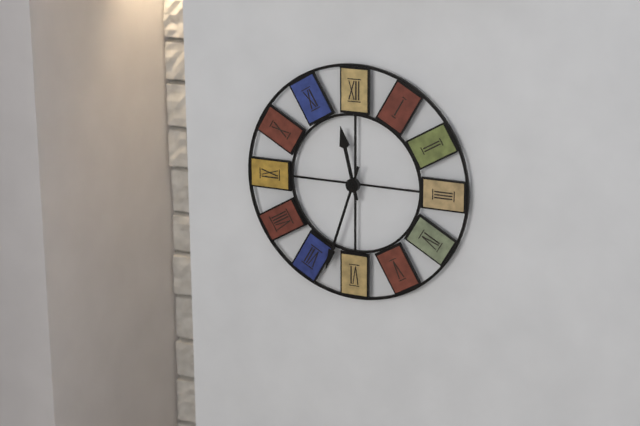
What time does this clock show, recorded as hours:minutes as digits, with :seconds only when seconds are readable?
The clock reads 11:33
